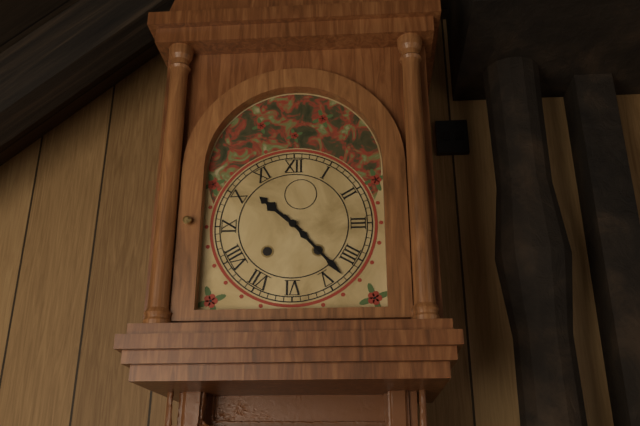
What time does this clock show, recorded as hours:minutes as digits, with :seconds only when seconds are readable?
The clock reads 10:23
